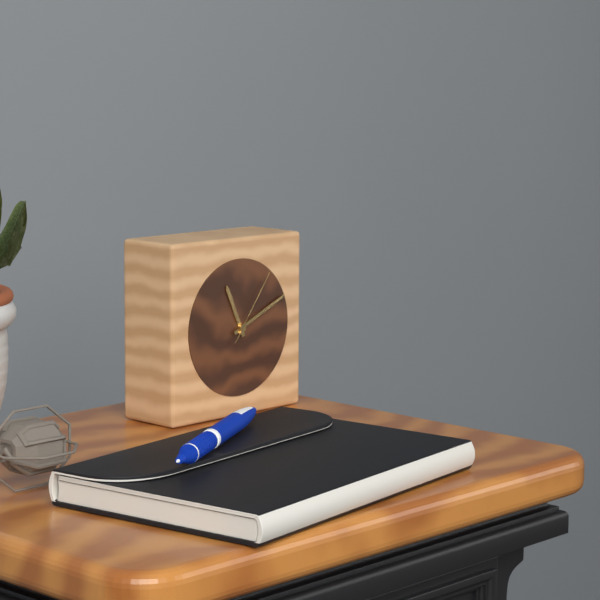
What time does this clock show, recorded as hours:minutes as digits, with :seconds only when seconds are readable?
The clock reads 11:11:06
